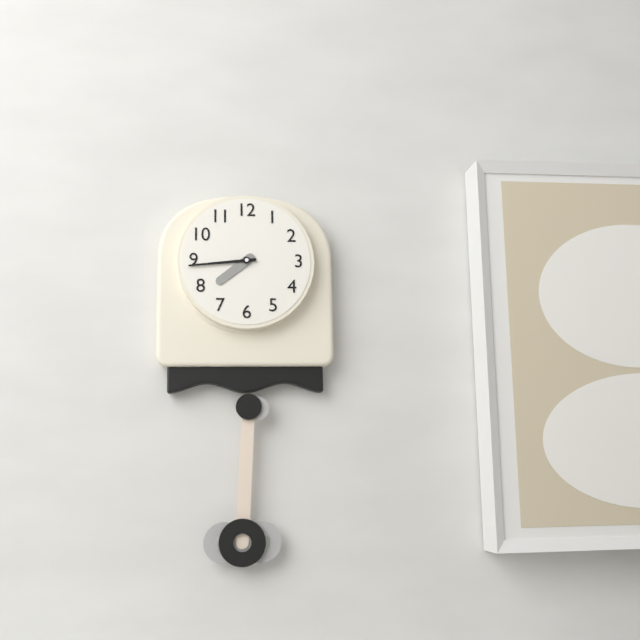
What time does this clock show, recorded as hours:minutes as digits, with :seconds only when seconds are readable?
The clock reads 7:44
